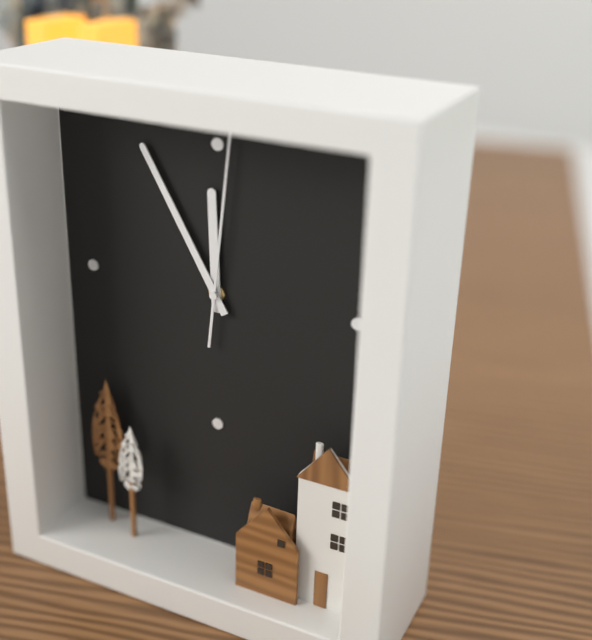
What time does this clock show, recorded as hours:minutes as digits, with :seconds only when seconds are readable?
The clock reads 11:55:01
